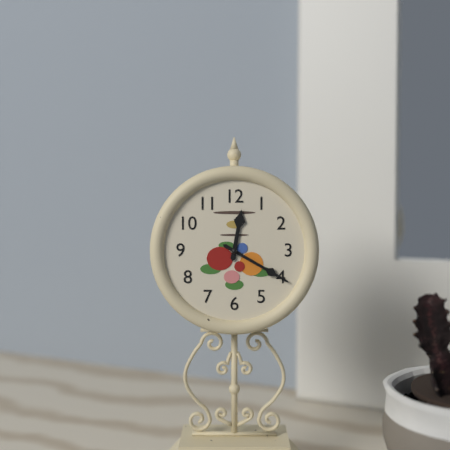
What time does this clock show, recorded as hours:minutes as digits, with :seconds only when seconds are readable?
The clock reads 12:20
